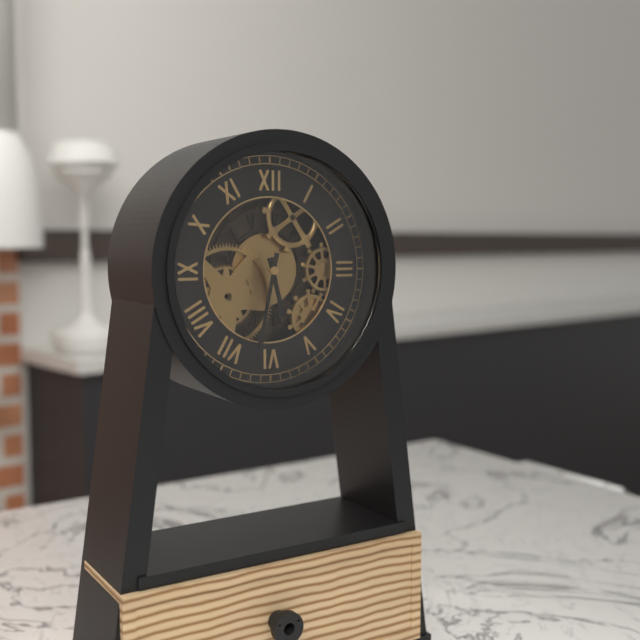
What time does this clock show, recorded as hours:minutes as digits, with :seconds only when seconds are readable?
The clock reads 5:32
